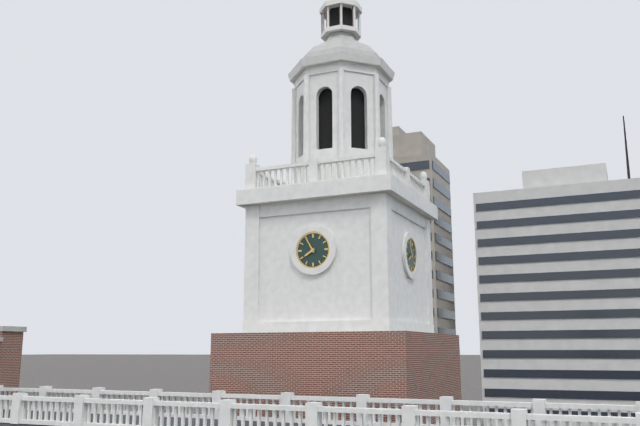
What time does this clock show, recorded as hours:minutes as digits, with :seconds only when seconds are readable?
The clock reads 7:55
